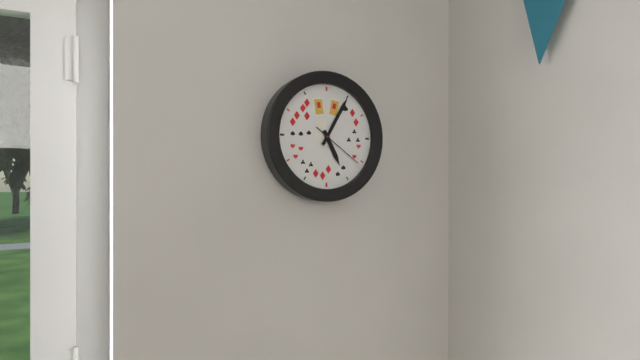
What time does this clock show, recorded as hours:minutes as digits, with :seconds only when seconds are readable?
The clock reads 5:05:21
